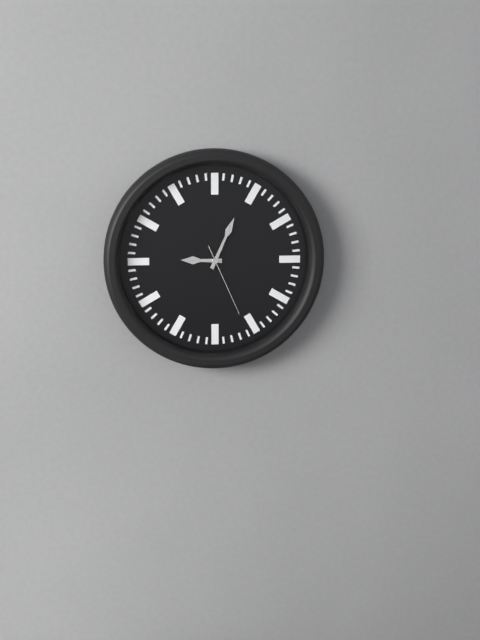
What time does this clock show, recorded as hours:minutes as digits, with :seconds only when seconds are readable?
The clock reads 9:04:26
